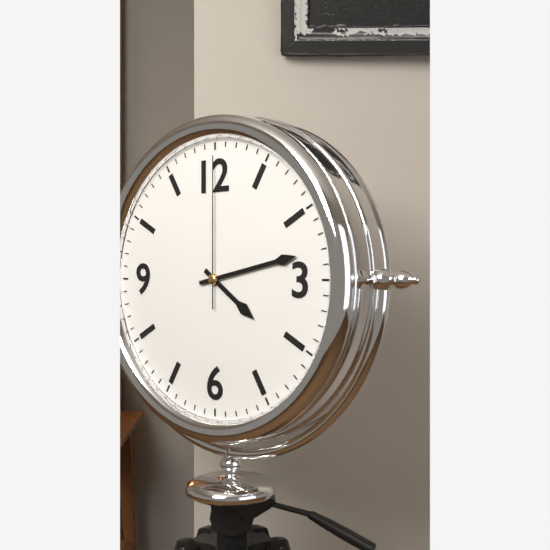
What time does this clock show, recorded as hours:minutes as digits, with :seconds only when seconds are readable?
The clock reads 4:13:00
